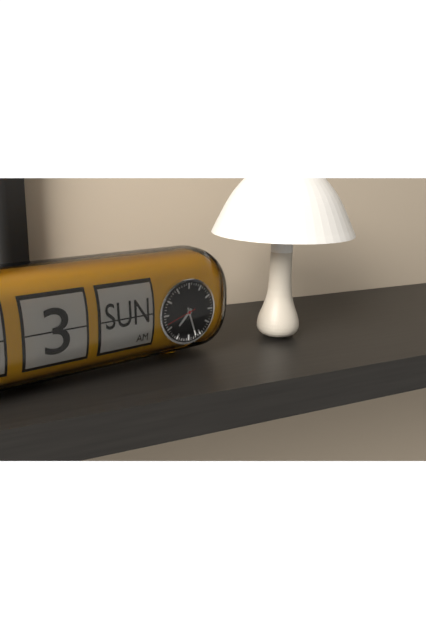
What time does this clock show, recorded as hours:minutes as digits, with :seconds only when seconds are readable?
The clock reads 7:27
